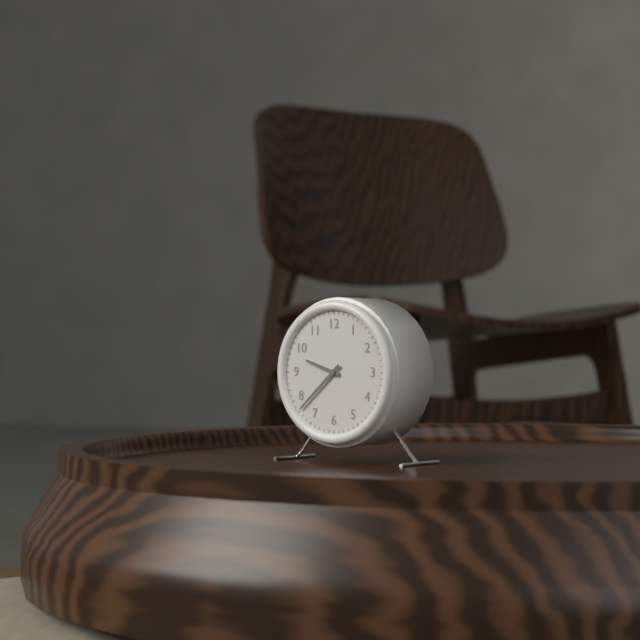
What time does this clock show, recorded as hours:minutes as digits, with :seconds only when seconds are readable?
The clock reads 9:38
